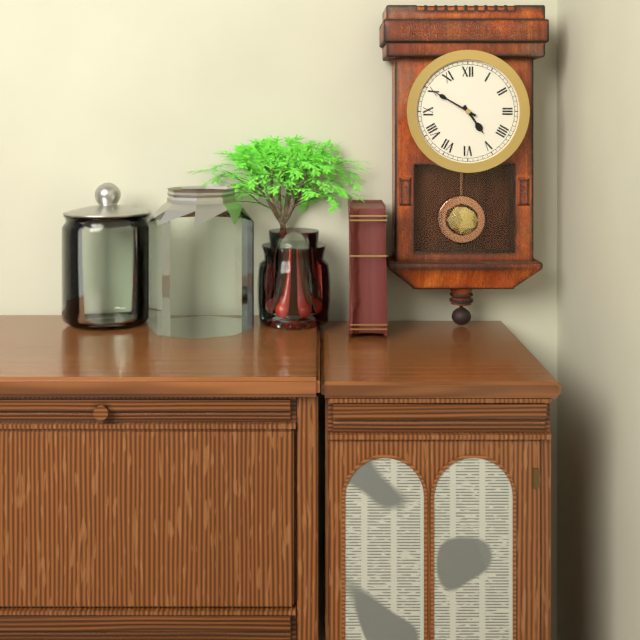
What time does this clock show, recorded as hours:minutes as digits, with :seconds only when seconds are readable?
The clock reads 4:50
